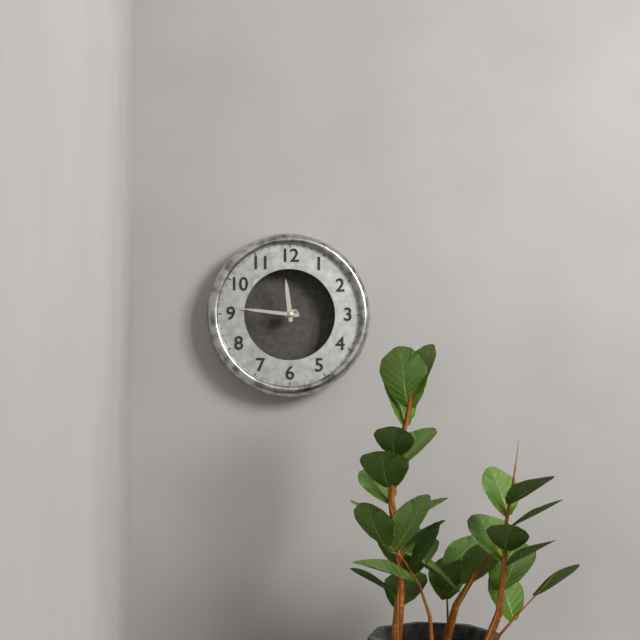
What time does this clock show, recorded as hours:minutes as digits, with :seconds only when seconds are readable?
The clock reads 11:46
